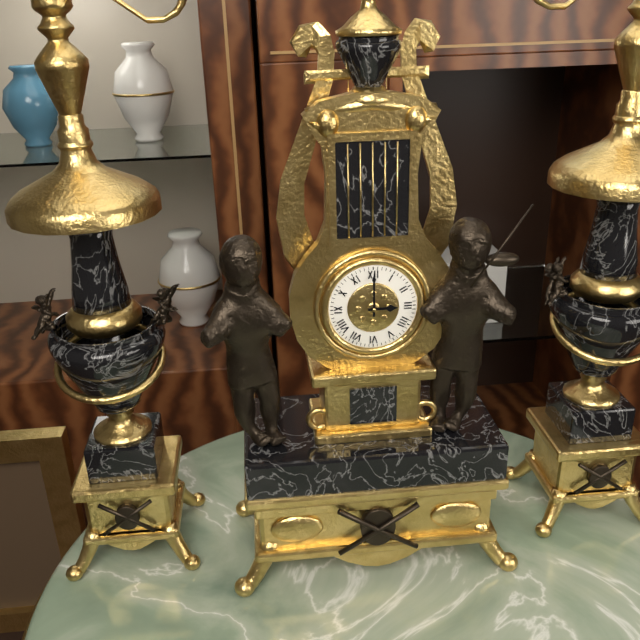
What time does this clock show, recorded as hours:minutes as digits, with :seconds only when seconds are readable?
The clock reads 3:00
